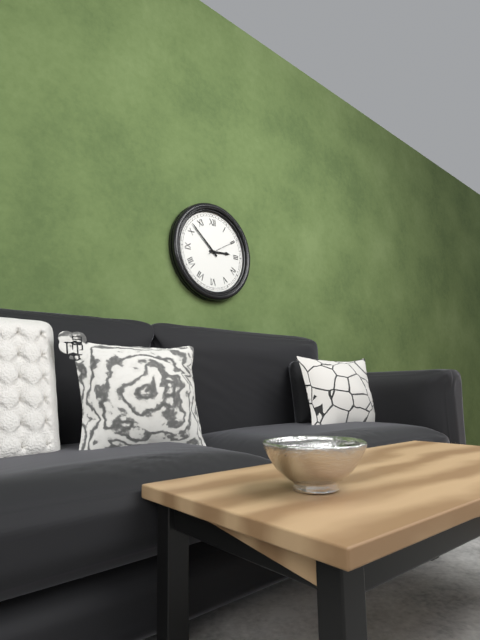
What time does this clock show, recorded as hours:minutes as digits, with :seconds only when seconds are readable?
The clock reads 2:52
